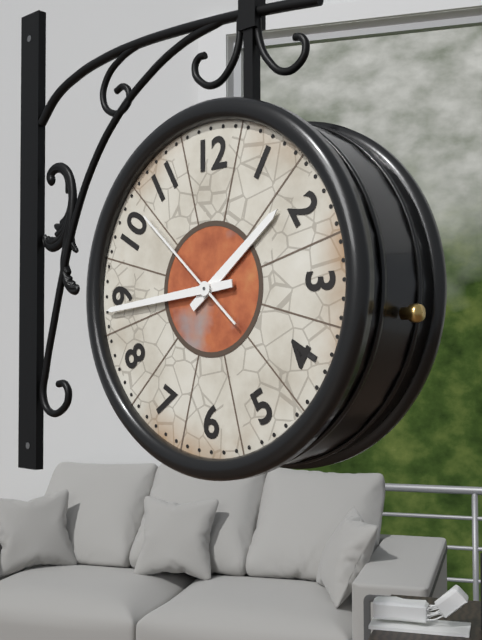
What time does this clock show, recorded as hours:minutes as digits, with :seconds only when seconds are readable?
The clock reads 1:44:52
